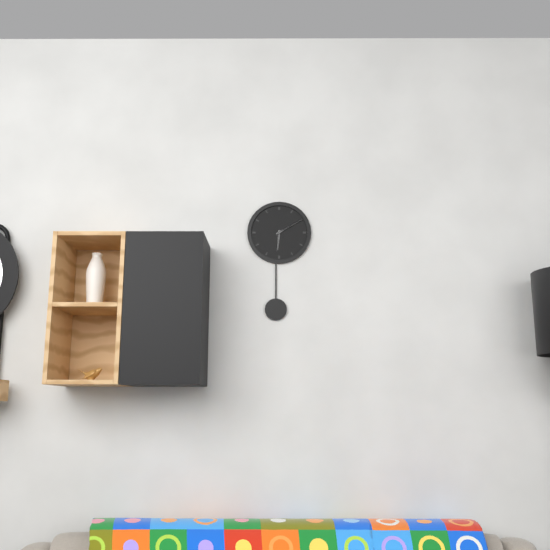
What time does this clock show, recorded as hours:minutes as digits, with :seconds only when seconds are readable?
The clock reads 6:10
